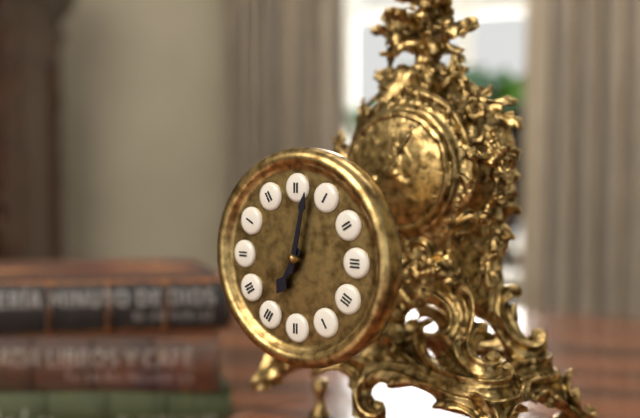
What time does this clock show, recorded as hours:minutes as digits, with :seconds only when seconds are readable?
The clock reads 7:02
